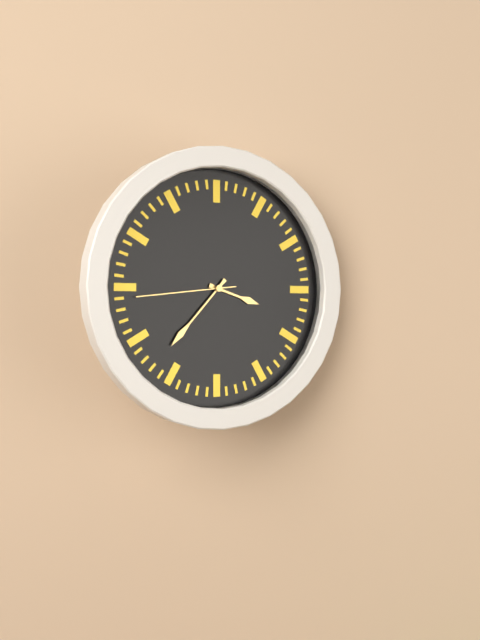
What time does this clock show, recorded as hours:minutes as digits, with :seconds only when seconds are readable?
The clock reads 3:37:44
